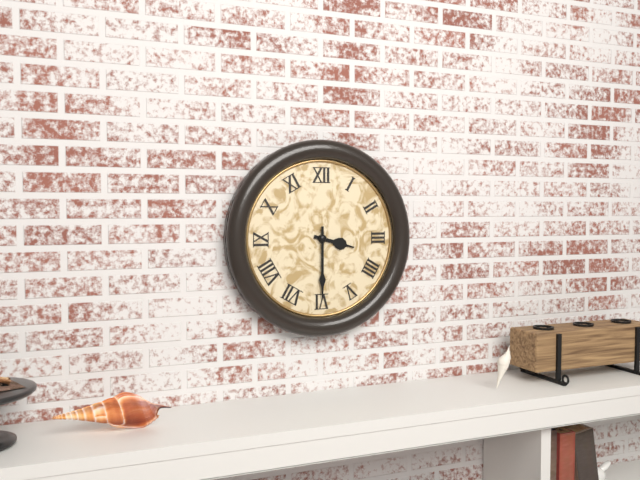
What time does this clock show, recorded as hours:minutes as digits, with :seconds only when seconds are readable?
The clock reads 3:30
